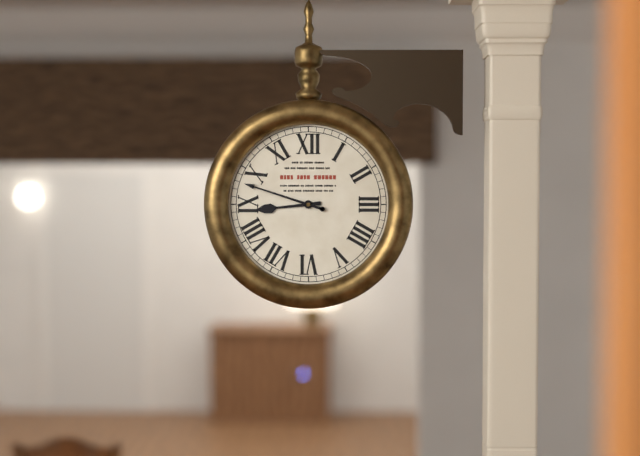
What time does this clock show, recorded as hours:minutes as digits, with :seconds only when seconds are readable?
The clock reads 8:48
